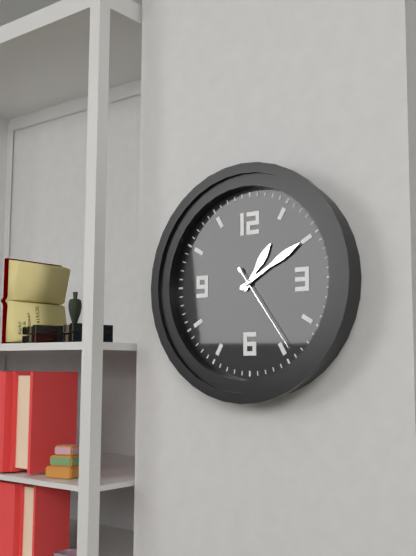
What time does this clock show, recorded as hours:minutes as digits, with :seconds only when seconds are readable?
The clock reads 1:10:24
